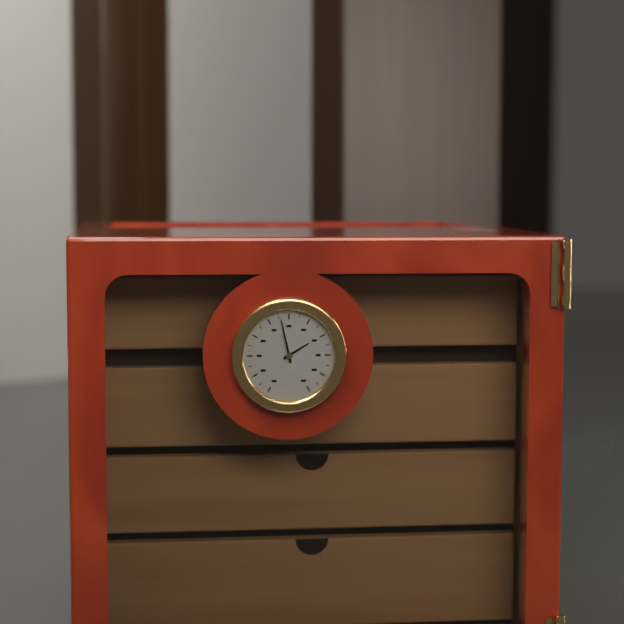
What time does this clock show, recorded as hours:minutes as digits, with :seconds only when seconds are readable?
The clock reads 1:58
